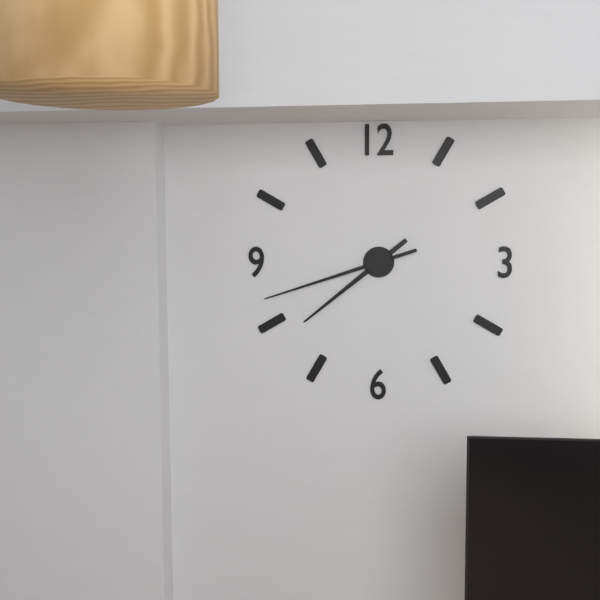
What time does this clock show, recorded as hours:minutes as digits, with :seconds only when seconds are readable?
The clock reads 7:42
